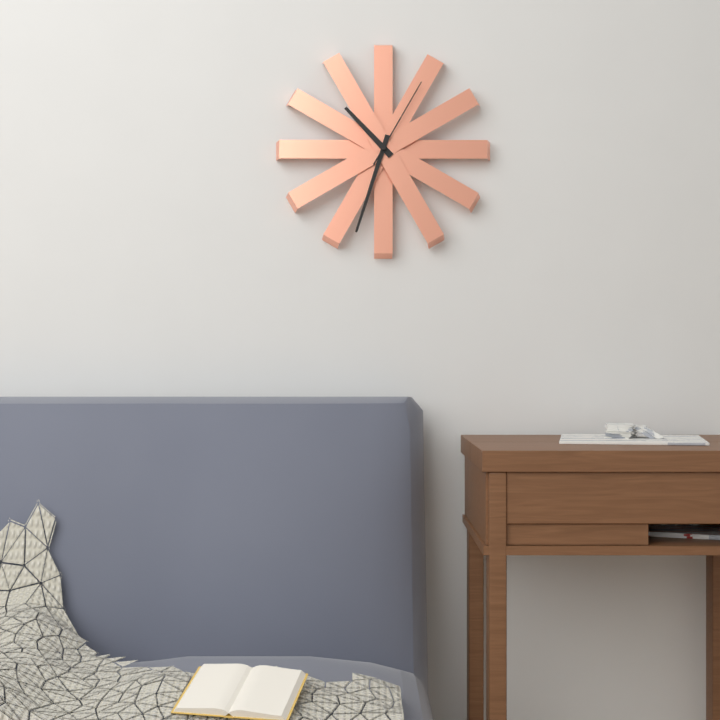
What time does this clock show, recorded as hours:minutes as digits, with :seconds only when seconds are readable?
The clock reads 10:33:05
